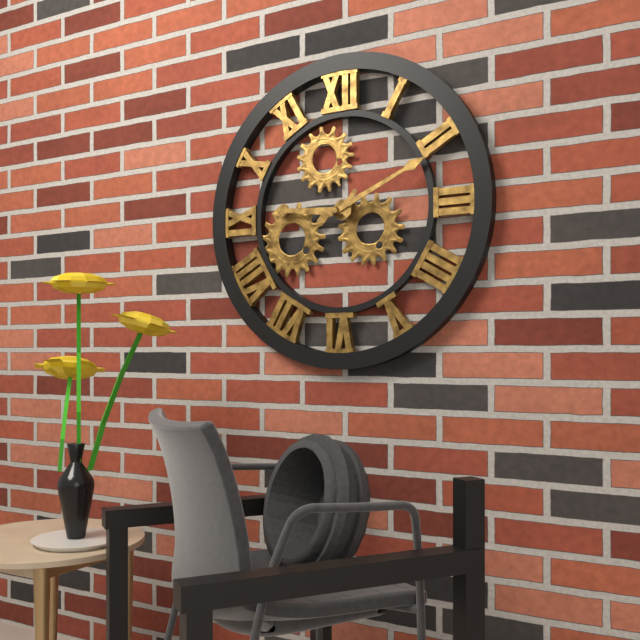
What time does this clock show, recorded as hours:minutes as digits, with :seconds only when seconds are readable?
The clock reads 9:11
